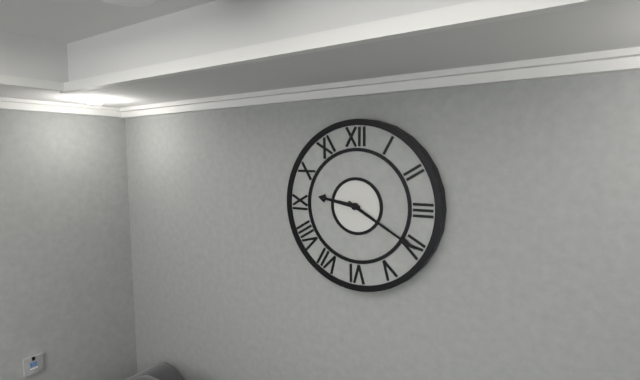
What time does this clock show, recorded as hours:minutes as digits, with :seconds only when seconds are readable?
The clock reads 9:20
